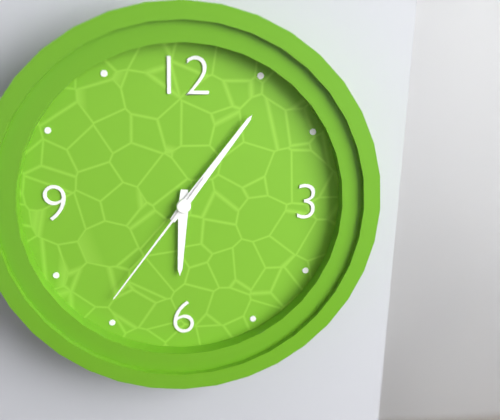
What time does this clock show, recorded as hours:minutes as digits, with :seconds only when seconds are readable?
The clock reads 6:06:36
